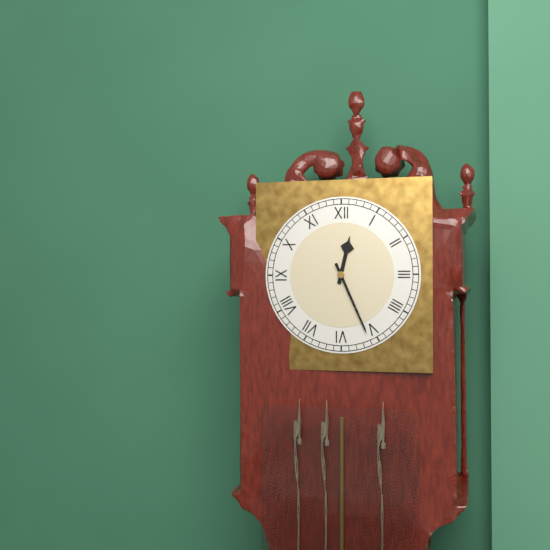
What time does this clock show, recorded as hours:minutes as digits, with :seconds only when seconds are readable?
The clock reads 12:26
